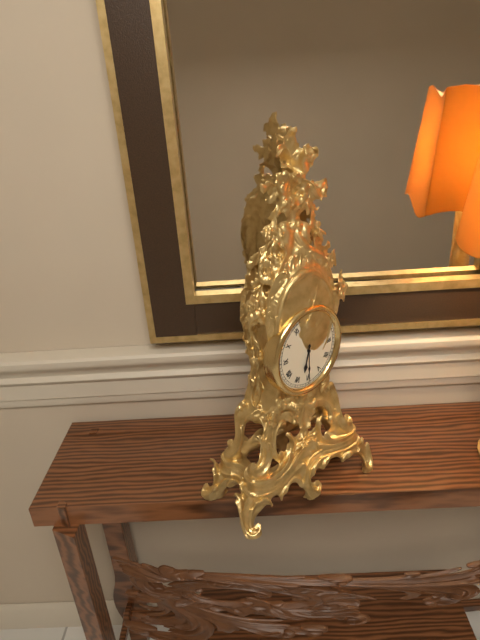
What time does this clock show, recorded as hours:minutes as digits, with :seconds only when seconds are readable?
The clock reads 6:30
